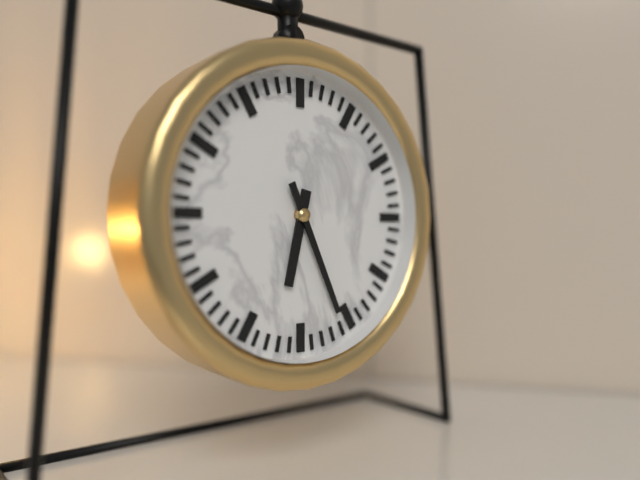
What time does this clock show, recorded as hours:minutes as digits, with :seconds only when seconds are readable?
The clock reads 6:26
